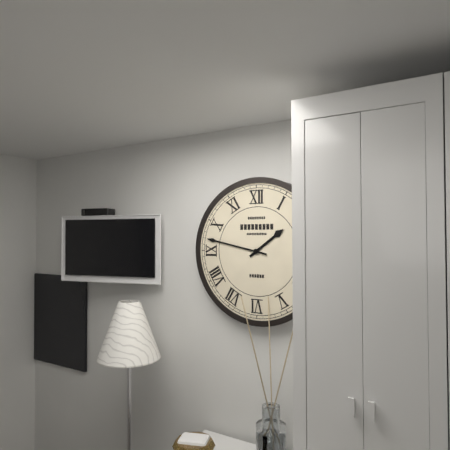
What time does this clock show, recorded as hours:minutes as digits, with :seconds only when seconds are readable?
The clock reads 1:47
